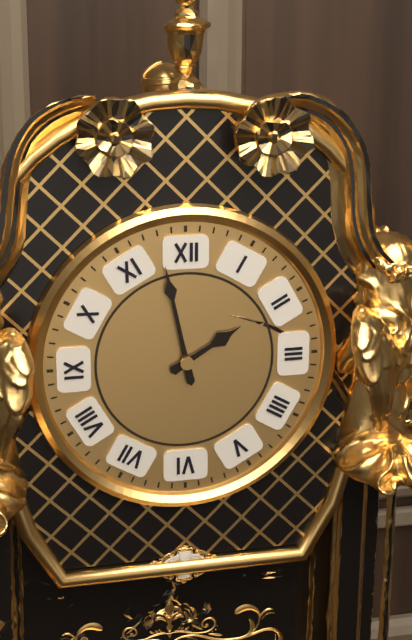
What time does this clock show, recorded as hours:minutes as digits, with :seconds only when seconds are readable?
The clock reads 1:58
